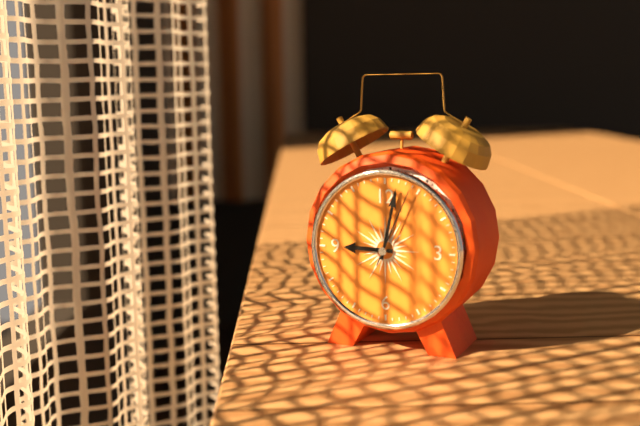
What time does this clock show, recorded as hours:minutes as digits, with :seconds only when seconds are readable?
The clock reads 9:02:04
